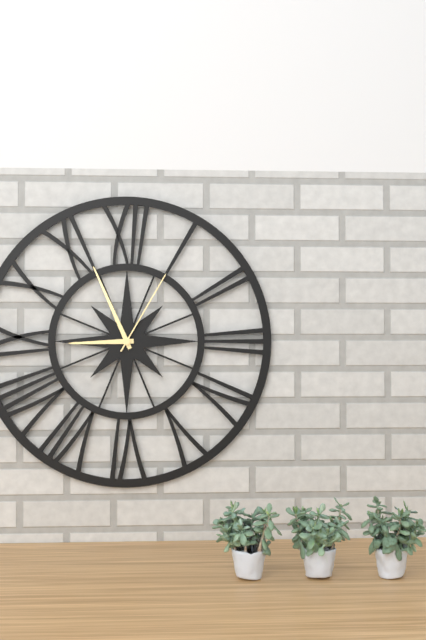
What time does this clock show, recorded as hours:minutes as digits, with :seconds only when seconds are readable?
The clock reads 8:56:05
